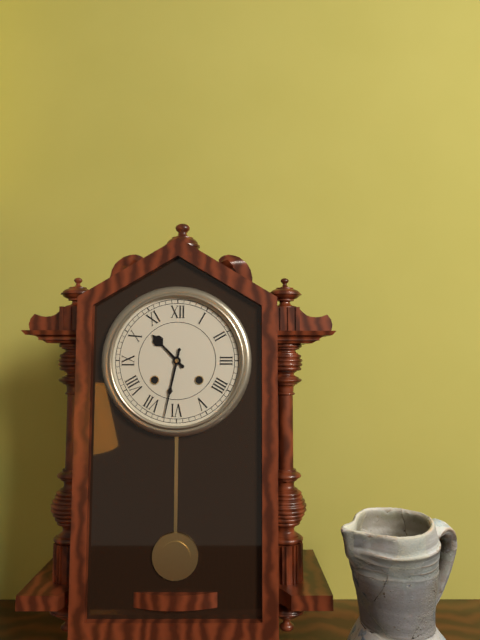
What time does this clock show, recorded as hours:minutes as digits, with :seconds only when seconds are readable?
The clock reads 10:32
